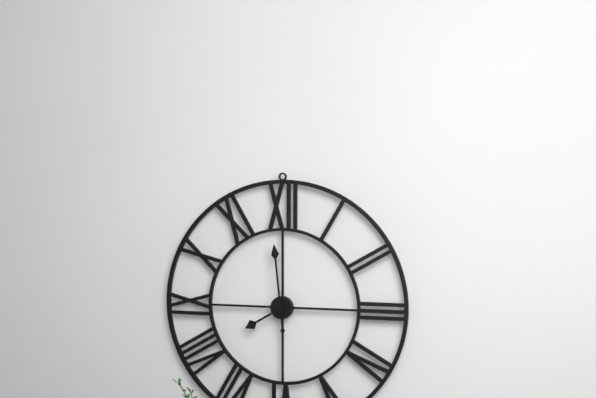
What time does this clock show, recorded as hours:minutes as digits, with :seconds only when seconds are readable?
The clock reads 7:59
